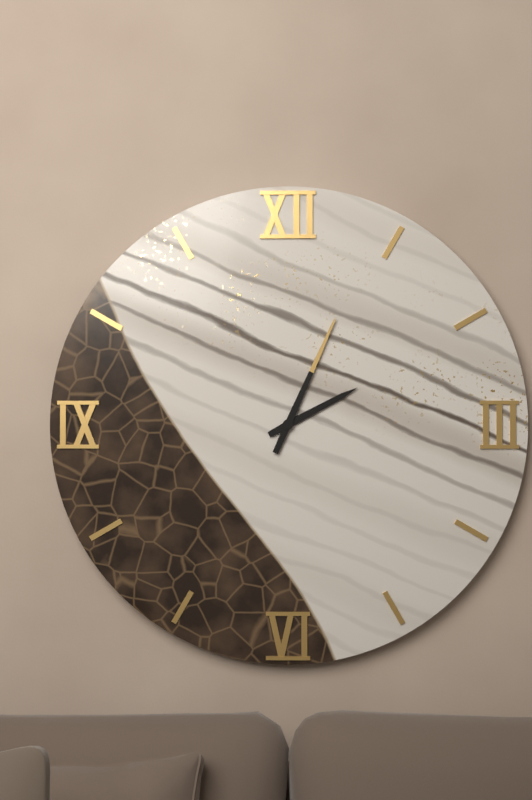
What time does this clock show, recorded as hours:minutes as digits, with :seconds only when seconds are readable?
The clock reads 2:04
